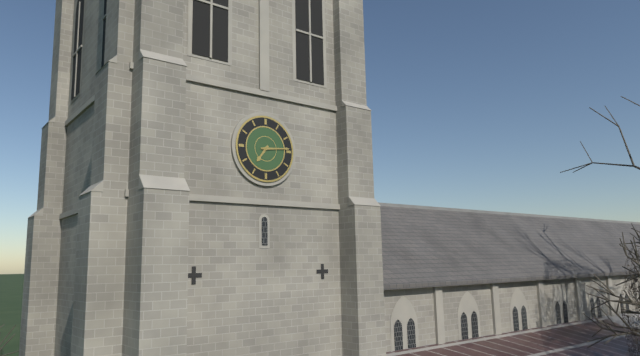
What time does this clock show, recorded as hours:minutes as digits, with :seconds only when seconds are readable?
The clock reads 7:14
